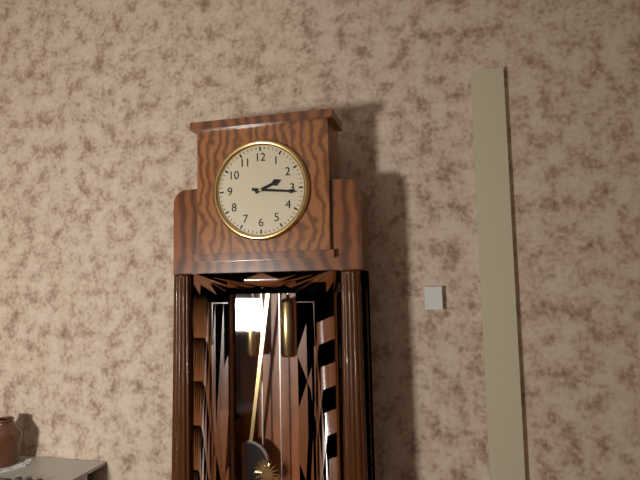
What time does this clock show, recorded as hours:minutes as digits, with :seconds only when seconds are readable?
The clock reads 2:16
